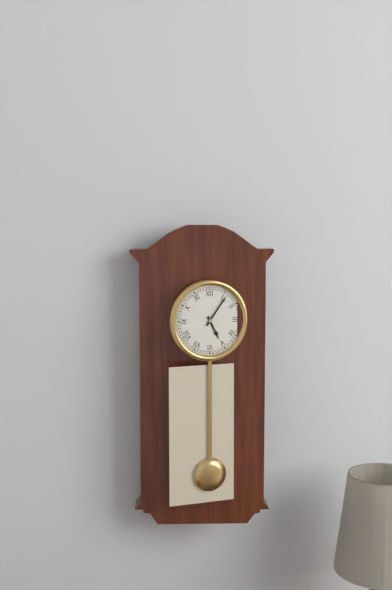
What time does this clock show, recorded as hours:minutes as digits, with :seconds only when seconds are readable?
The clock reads 5:06
